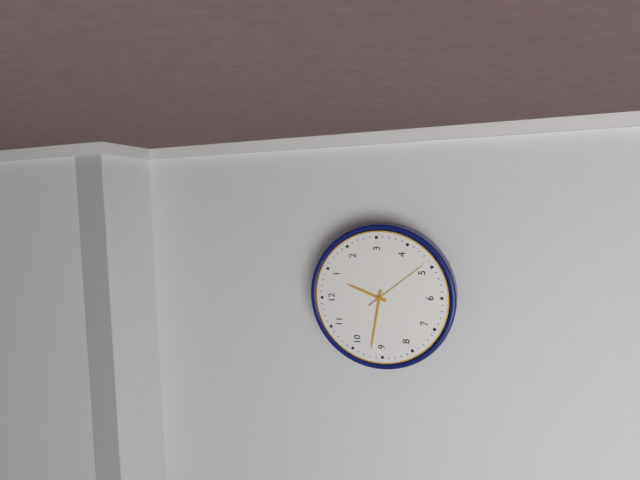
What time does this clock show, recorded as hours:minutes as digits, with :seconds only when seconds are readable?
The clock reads 12:47:24
